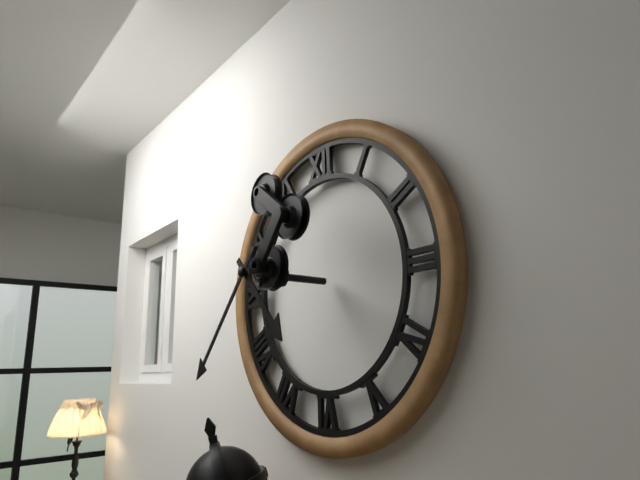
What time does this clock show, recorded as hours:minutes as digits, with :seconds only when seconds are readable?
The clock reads 4:37
